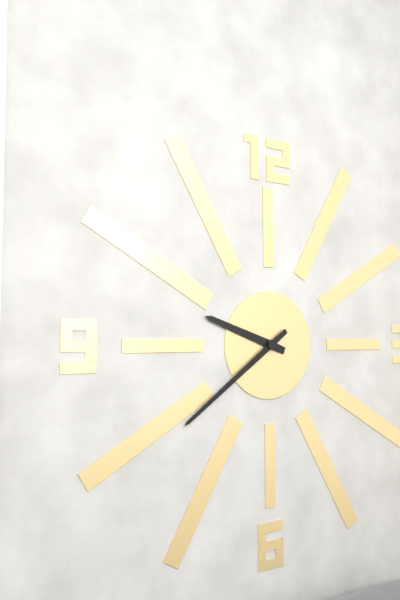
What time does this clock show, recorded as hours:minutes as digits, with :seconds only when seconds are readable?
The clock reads 9:39
